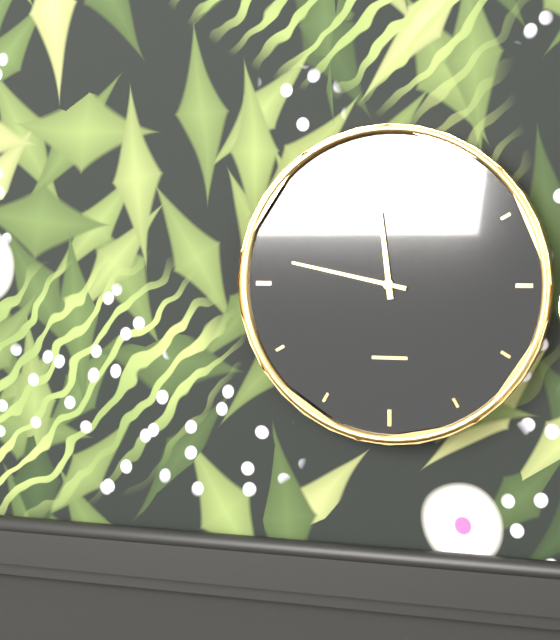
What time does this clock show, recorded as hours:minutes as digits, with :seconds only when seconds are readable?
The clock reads 11:47
